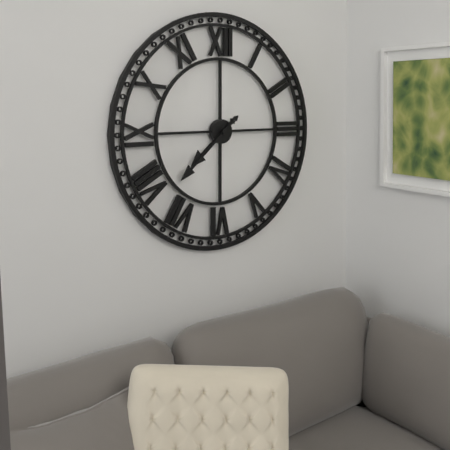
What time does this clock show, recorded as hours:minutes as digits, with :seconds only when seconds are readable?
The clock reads 7:38
